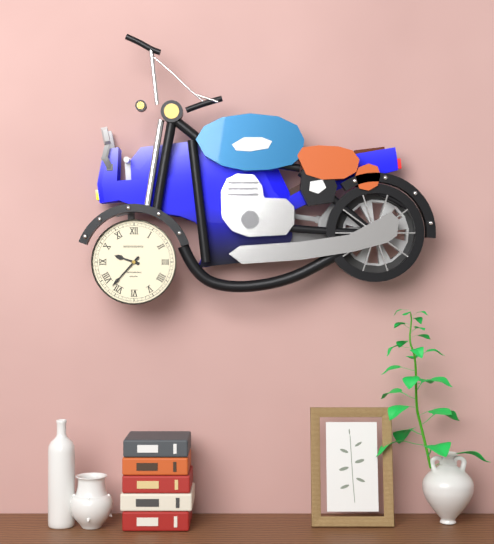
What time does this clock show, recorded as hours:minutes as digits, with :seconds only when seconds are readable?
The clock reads 9:37
